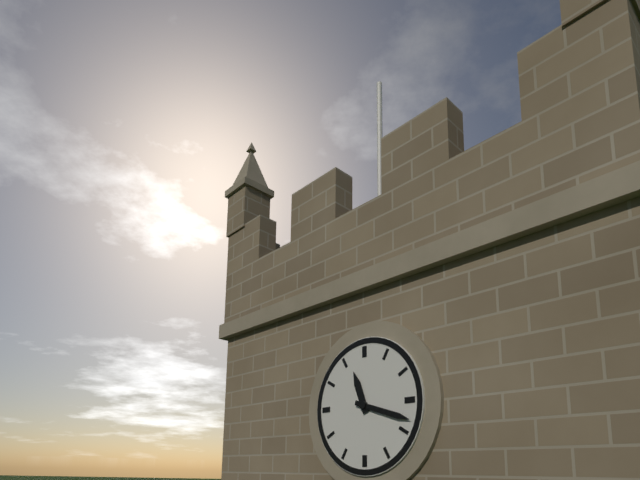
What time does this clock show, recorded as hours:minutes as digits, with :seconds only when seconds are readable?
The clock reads 11:18
